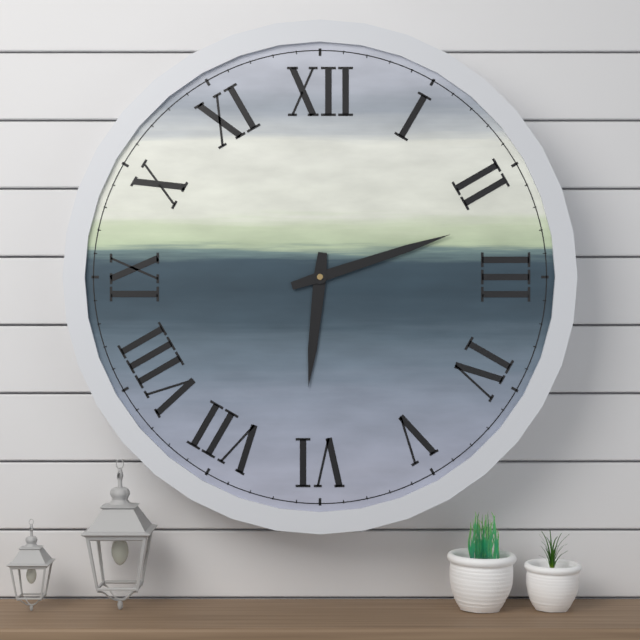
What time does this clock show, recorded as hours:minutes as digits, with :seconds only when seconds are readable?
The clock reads 6:12
